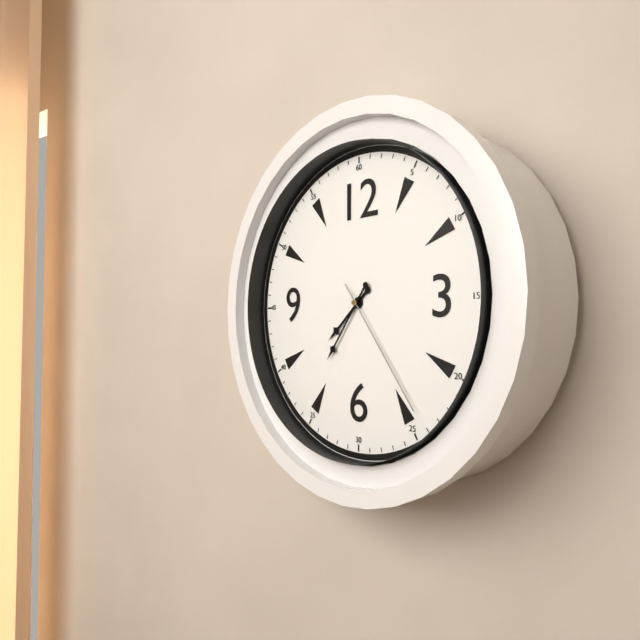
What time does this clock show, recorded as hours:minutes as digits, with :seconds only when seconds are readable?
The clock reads 7:36:24
